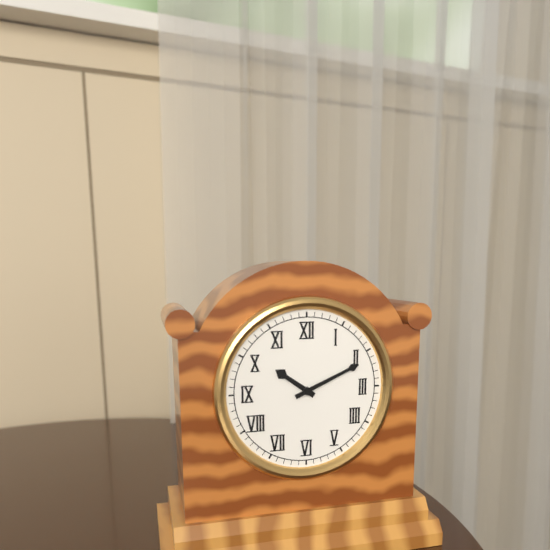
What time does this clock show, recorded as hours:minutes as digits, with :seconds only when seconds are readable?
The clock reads 10:11
